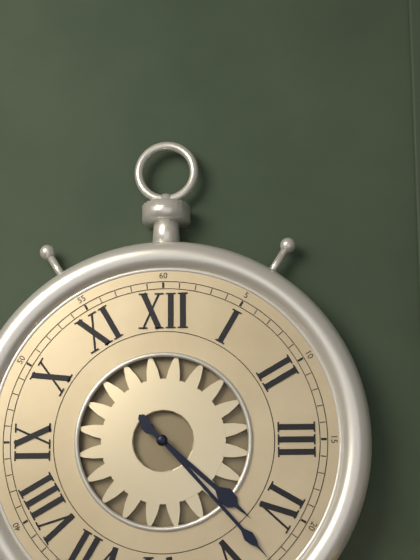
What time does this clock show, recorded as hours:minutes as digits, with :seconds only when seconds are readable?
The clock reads 4:23
